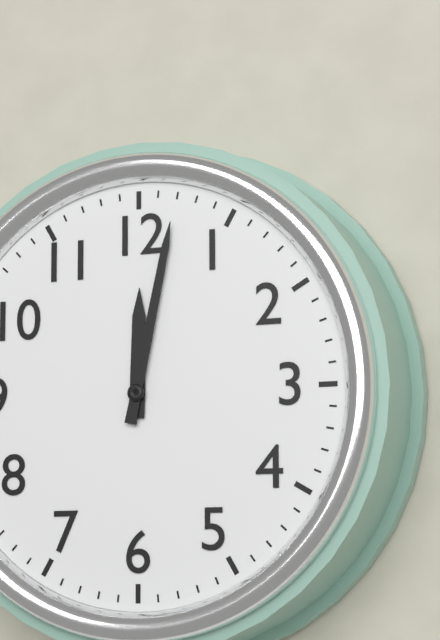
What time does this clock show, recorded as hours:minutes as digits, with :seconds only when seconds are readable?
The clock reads 12:02
